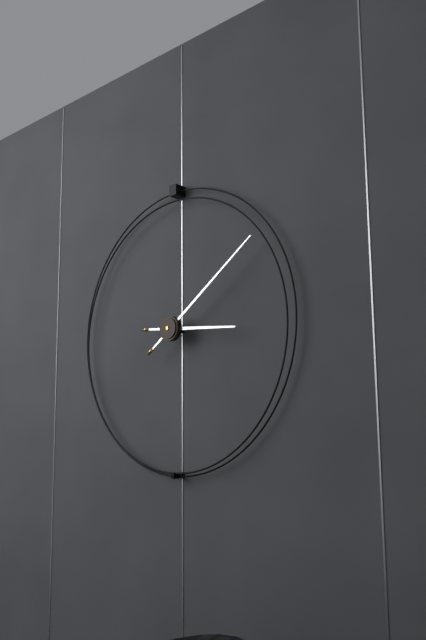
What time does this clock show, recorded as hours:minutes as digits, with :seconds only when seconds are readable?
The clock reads 3:09
